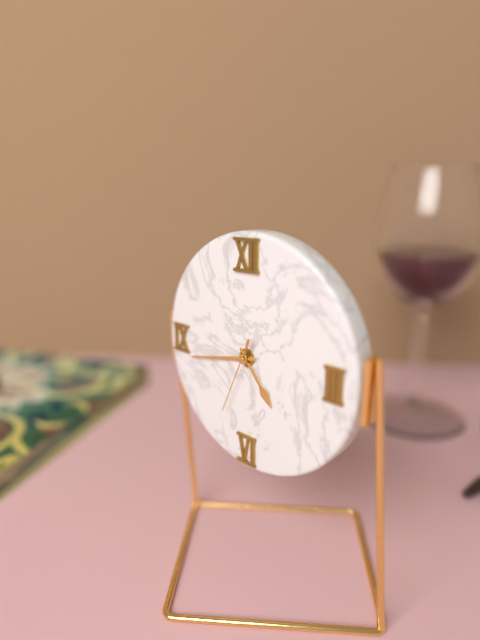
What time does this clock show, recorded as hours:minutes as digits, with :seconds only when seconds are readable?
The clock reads 4:43:34
